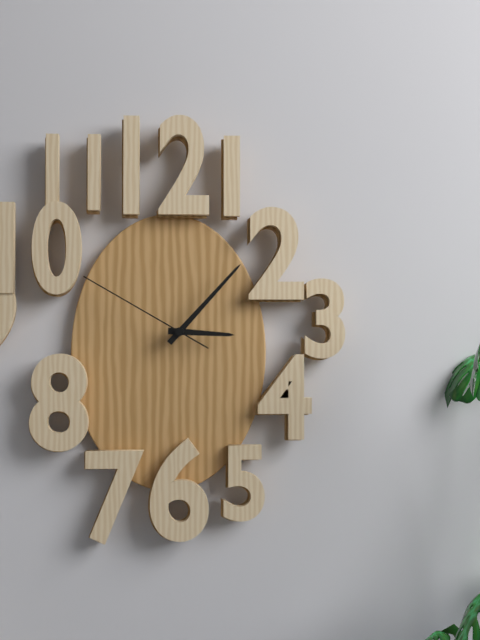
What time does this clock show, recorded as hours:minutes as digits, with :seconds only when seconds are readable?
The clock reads 3:07:50
